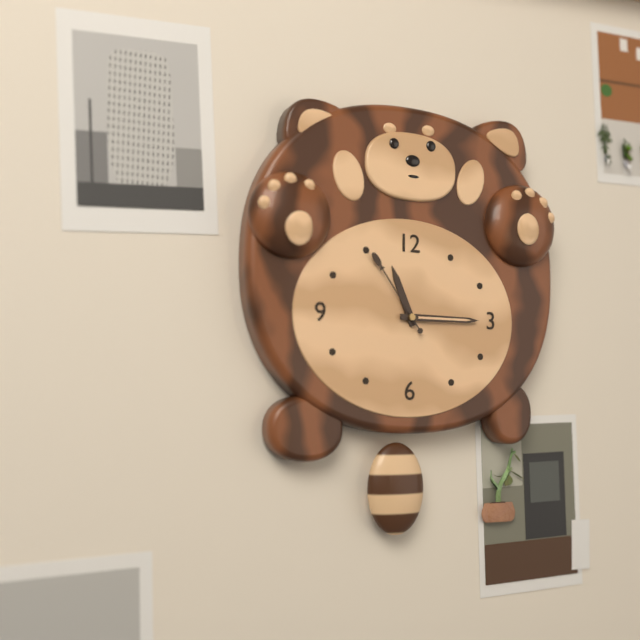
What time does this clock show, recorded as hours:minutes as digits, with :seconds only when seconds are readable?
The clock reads 11:15:54
